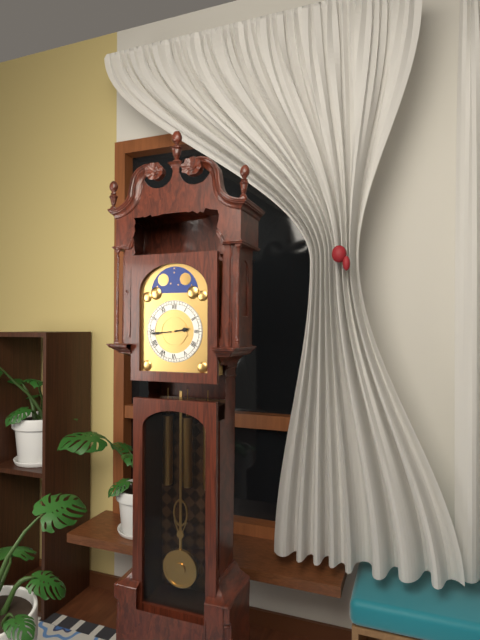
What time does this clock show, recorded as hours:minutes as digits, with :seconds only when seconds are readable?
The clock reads 2:44
